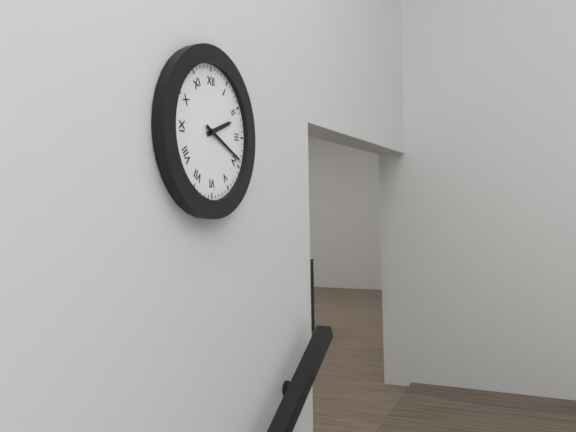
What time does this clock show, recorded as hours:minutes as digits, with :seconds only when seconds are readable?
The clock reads 2:19
